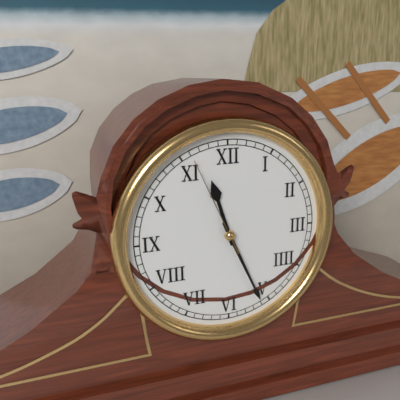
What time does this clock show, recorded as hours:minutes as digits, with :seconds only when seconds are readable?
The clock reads 11:26:56
